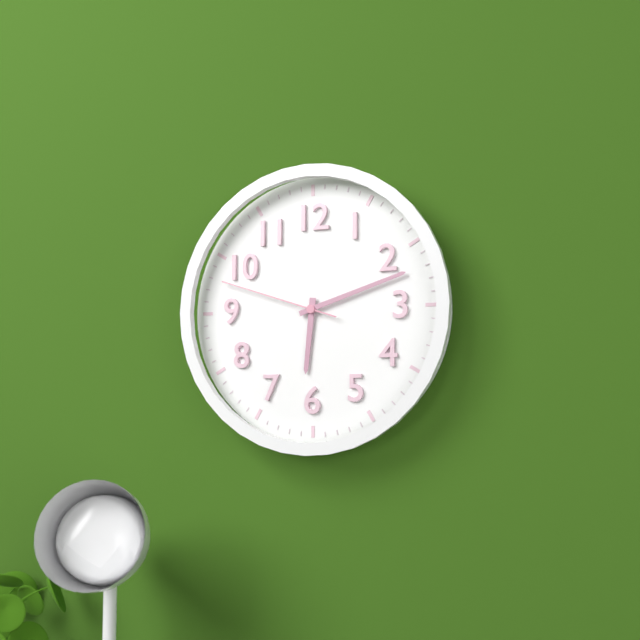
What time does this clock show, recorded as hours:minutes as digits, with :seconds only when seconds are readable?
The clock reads 6:12:48
